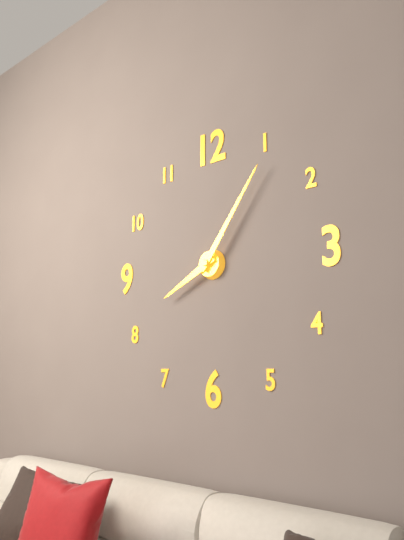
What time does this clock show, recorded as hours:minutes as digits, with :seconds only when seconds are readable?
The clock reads 8:06
